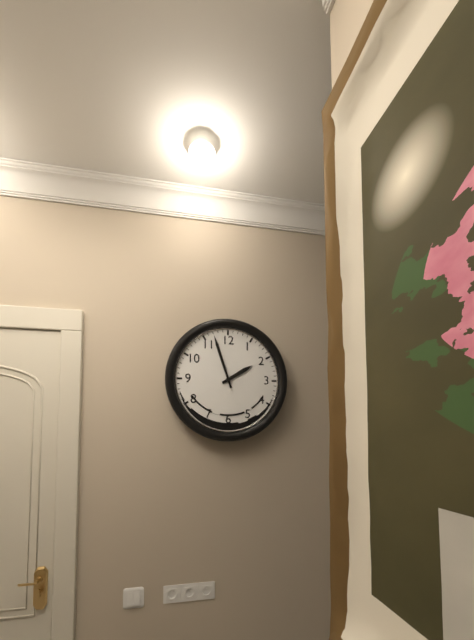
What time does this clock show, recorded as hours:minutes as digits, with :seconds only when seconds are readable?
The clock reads 1:57
